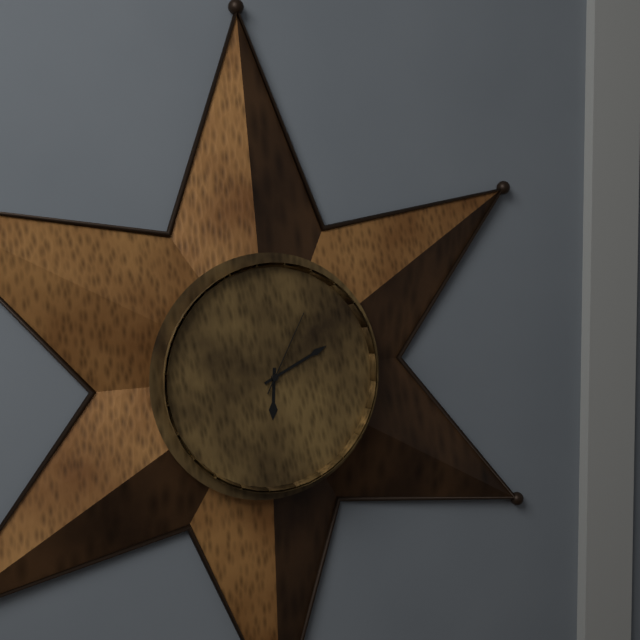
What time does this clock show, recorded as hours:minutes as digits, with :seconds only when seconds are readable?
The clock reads 6:11:05
